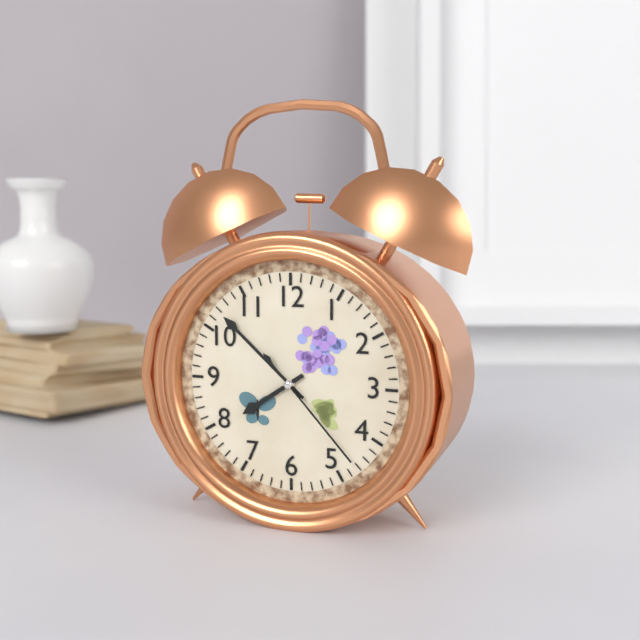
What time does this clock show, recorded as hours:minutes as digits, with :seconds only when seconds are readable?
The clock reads 7:52:23
